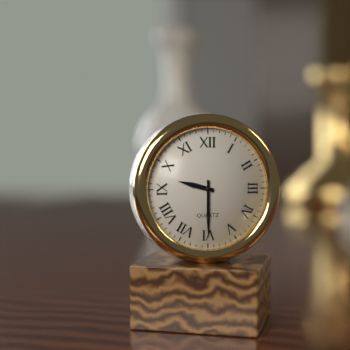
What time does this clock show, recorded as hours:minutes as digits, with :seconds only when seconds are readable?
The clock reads 9:30
